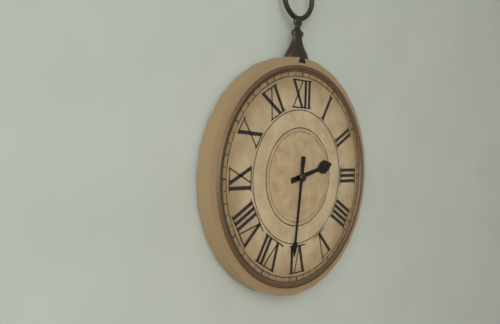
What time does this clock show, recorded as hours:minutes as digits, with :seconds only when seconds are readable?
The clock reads 2:31
